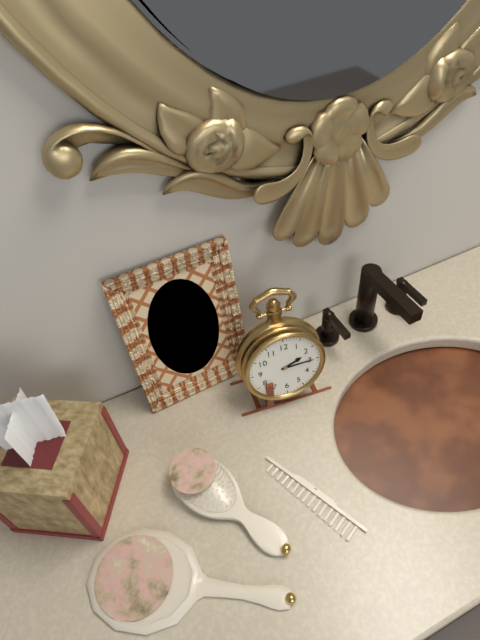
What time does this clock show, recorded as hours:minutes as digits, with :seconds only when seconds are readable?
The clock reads 2:15
